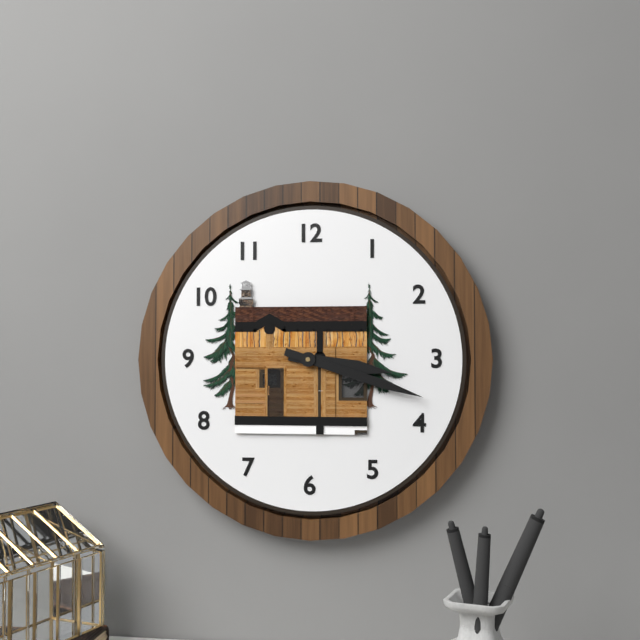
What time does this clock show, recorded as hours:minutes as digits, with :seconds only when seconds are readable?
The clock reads 3:18
